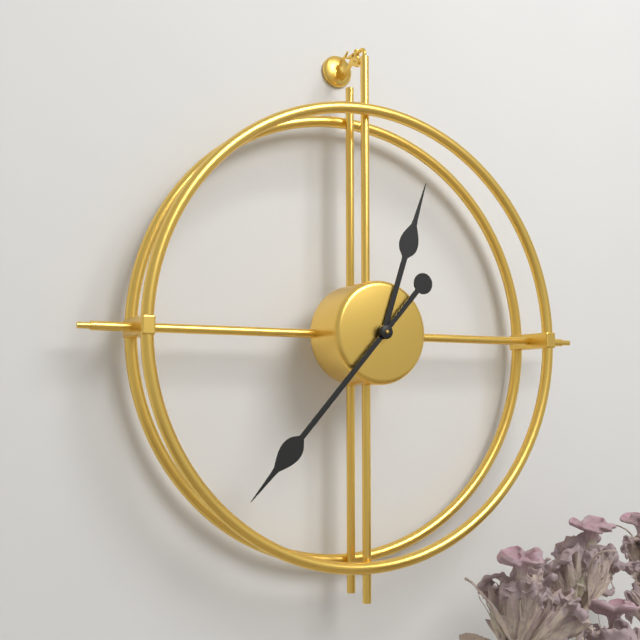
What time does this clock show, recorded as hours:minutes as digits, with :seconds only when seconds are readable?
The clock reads 12:37
